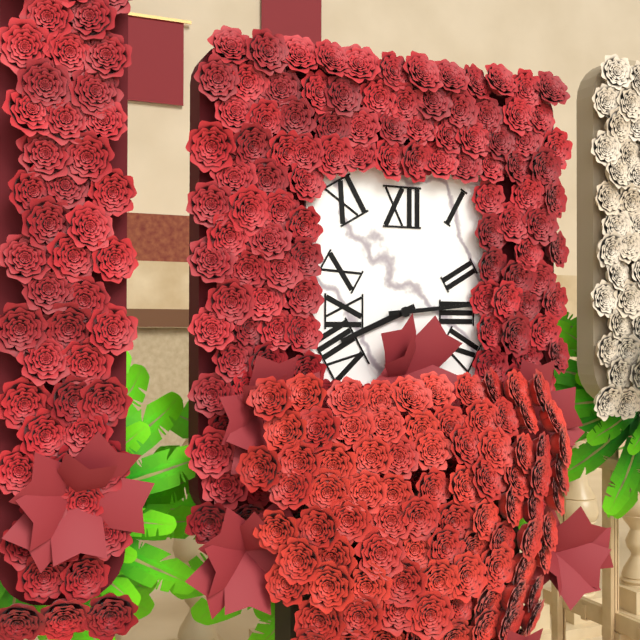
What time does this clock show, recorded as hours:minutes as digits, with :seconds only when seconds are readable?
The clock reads 8:14
